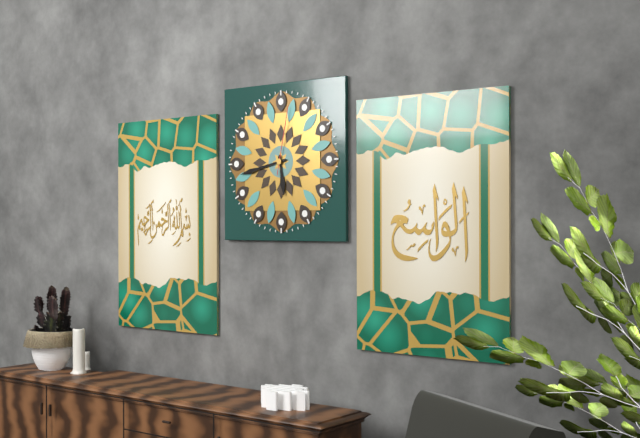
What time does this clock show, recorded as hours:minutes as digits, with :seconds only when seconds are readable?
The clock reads 5:43:02
